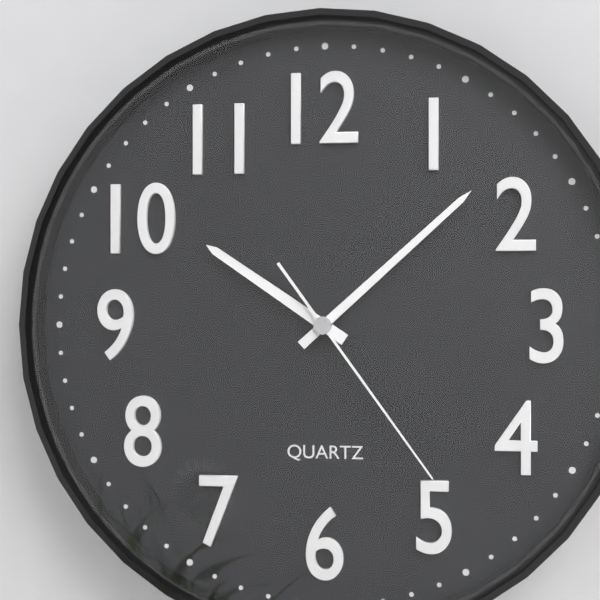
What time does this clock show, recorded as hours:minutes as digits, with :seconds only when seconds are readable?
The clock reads 10:08:24
